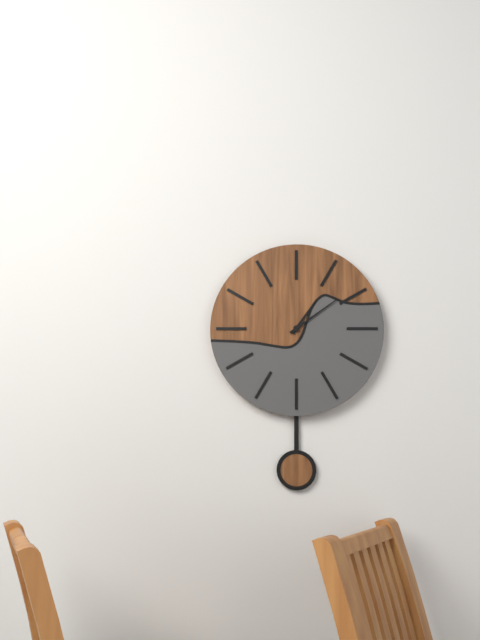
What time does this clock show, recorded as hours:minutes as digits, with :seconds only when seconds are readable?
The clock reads 1:09
